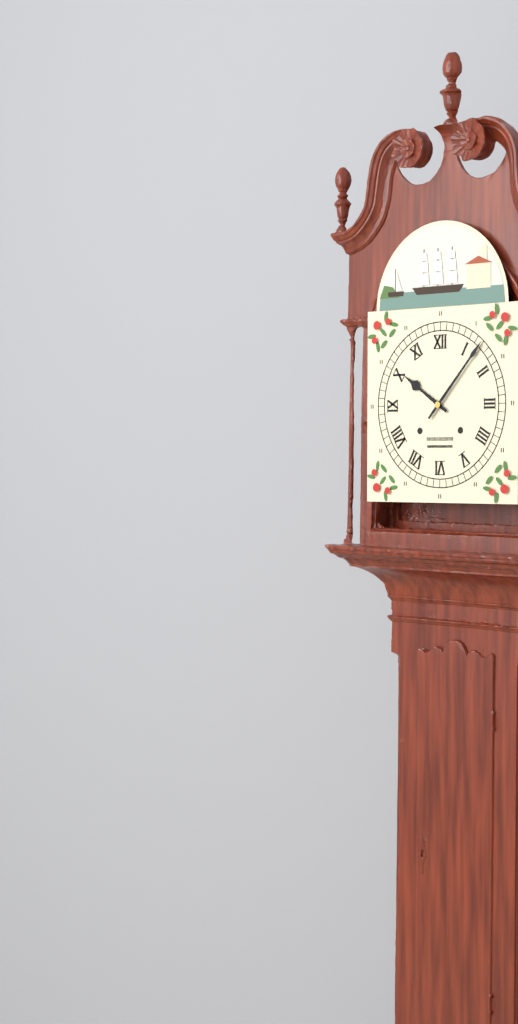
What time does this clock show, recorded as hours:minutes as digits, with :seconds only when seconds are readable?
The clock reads 10:07
